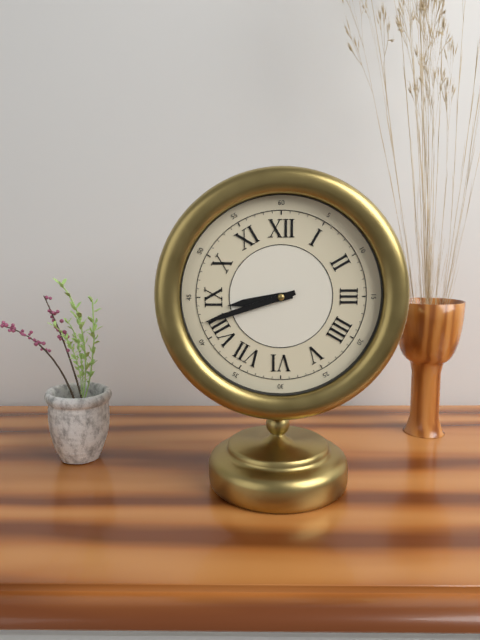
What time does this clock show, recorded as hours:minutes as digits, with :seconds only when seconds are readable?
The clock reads 8:42
